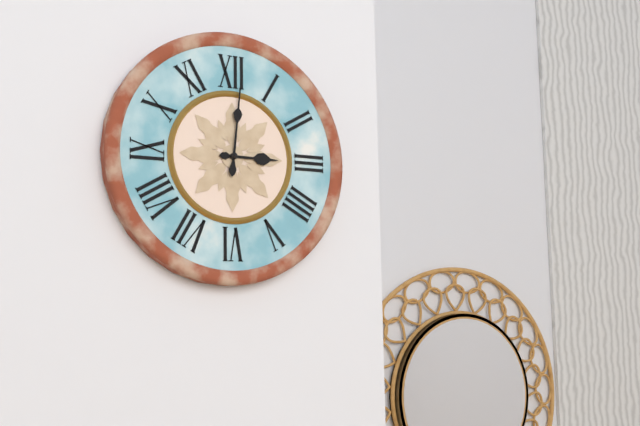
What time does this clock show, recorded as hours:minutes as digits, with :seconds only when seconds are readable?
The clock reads 3:01
